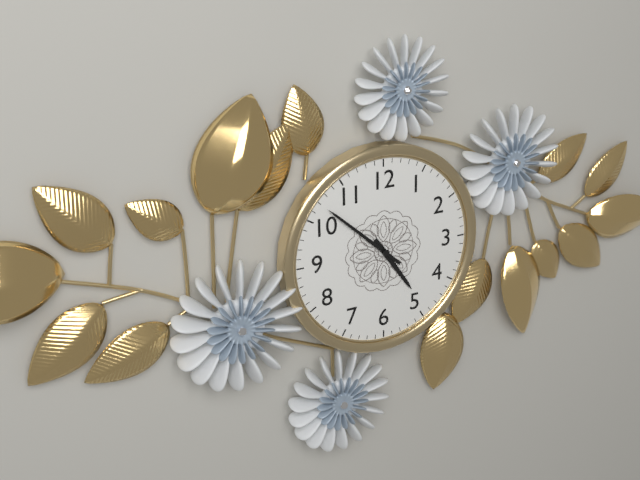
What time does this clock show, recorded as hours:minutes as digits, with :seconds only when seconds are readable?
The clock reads 4:52
